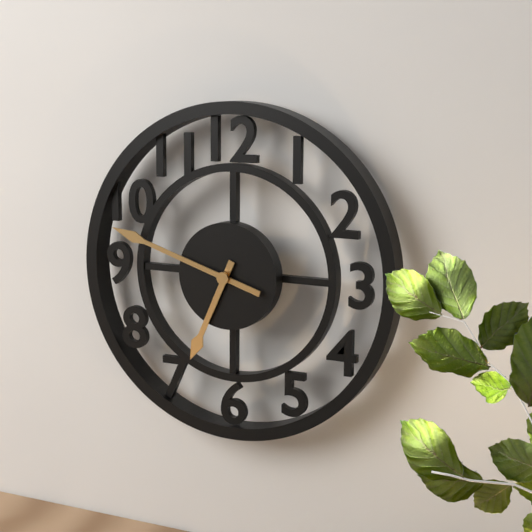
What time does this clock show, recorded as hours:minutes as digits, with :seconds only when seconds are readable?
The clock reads 6:48
